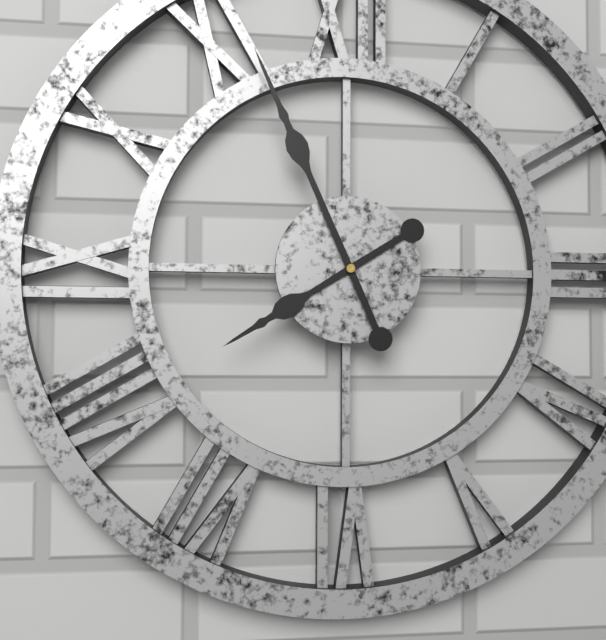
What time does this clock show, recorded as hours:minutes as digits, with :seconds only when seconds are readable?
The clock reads 7:56
